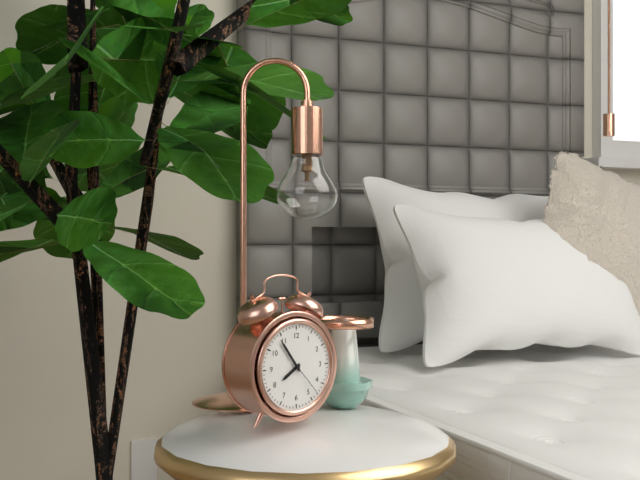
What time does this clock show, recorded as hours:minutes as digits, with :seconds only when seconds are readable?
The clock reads 7:54
